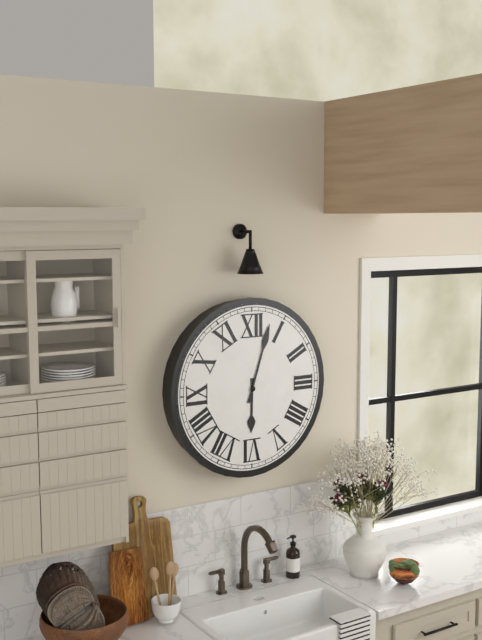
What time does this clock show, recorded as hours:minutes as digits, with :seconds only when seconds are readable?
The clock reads 6:03
